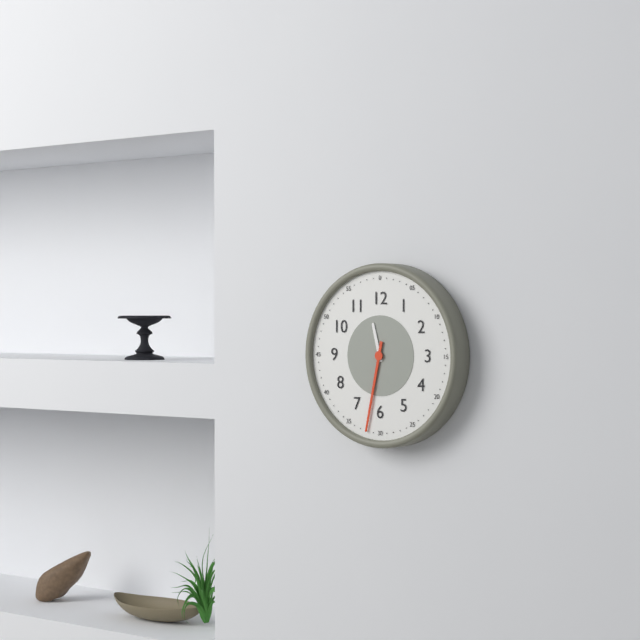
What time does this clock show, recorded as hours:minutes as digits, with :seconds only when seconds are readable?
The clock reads 11:32
